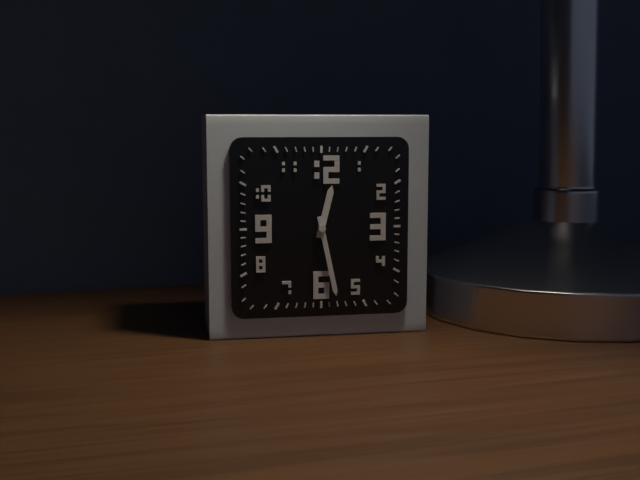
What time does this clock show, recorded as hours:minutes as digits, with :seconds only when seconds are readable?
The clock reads 12:28
